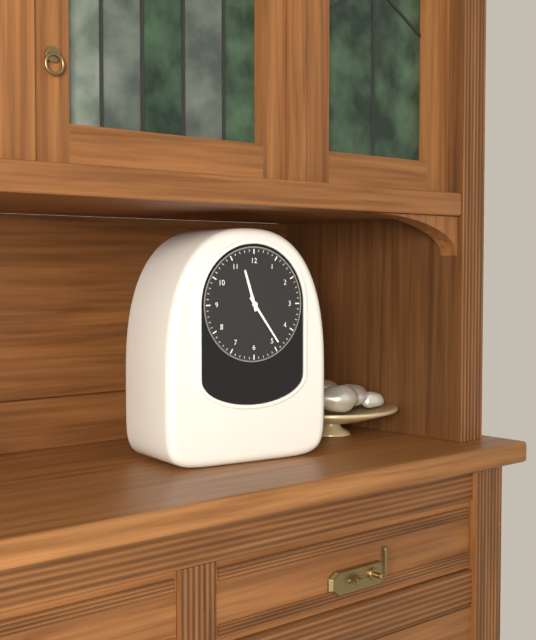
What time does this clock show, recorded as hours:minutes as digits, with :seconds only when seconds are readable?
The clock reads 11:24
